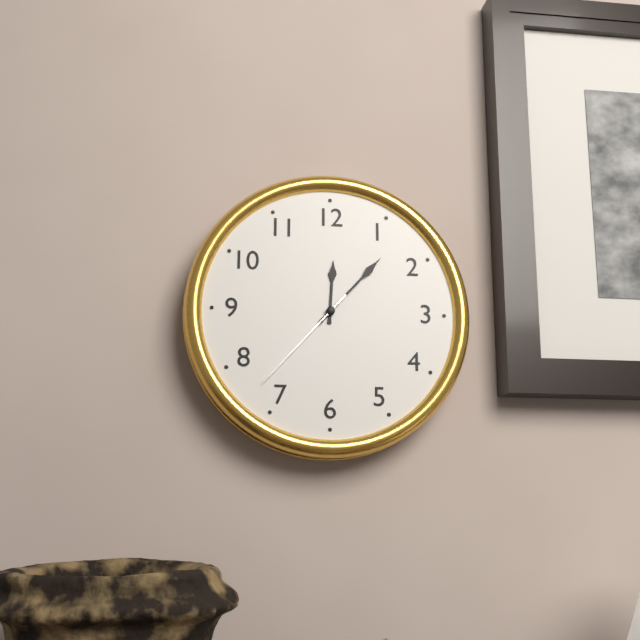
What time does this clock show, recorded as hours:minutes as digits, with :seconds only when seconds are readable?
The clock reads 12:07:37
